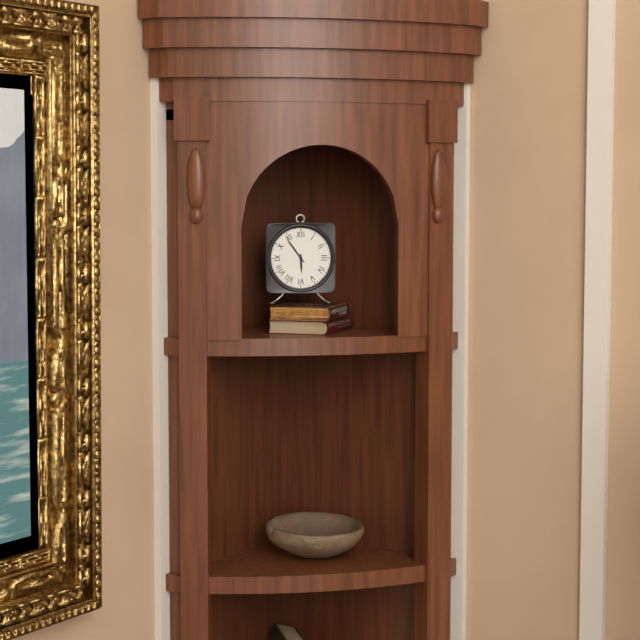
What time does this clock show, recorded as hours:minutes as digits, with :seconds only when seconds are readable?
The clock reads 5:54
